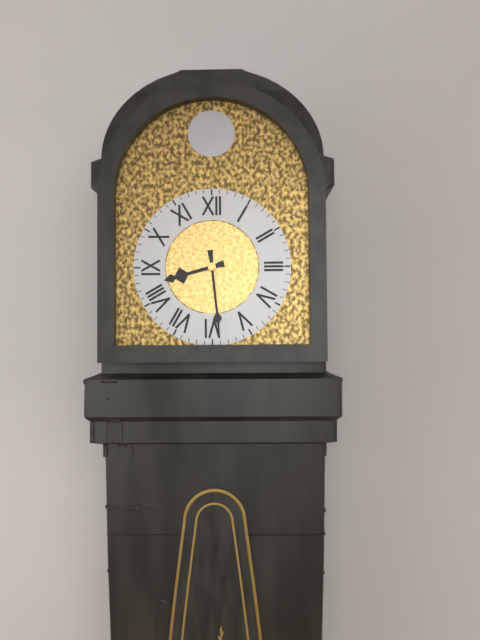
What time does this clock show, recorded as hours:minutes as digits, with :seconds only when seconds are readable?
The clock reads 8:29
